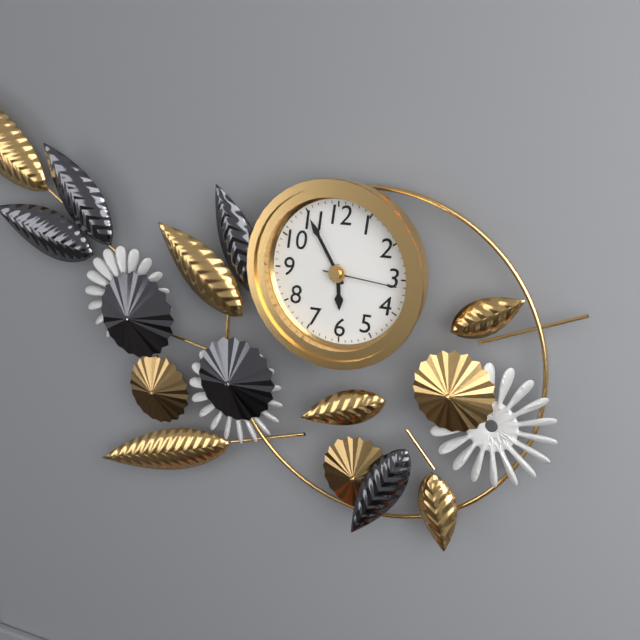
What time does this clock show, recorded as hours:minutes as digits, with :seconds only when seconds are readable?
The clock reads 5:55:16
